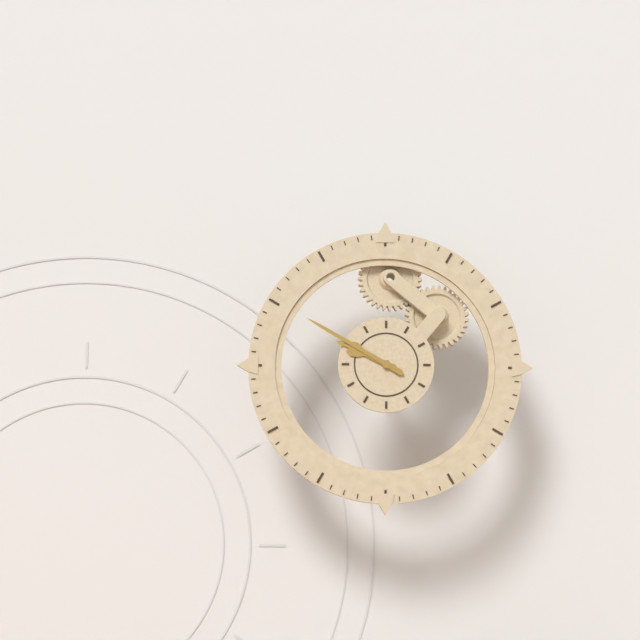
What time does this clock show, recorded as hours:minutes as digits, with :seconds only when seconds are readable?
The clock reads 9:50
